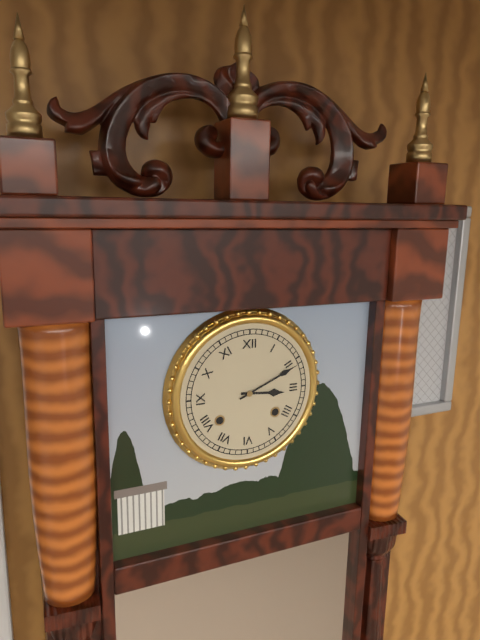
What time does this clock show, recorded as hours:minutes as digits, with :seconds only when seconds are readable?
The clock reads 3:11
